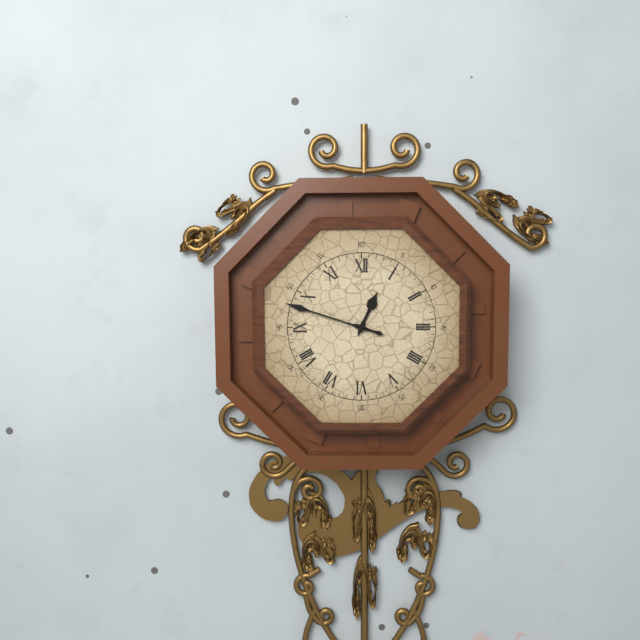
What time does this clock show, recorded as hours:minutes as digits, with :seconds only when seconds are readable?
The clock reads 12:48
